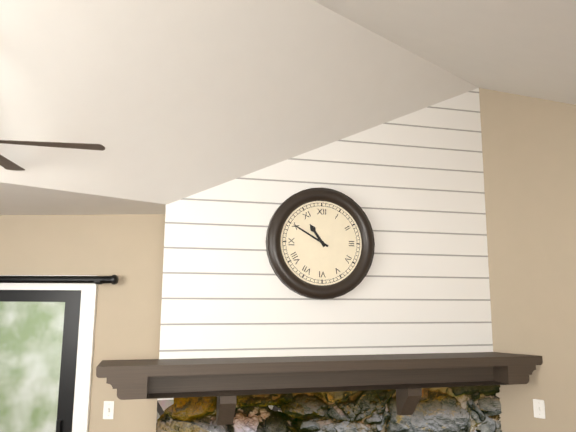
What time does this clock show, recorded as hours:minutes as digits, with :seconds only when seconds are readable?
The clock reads 10:50
